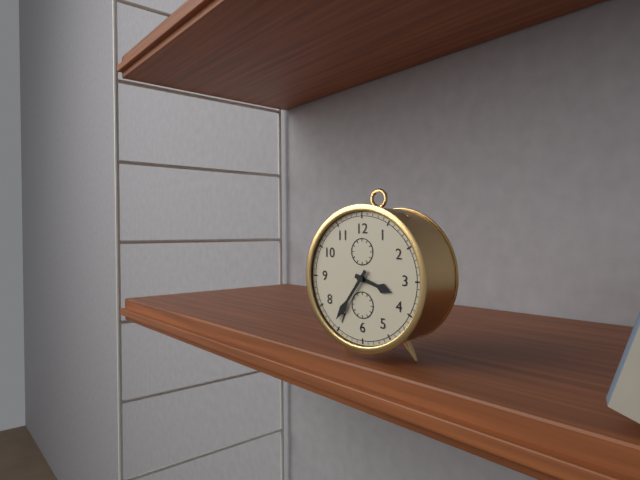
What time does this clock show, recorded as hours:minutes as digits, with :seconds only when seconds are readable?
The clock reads 3:36
